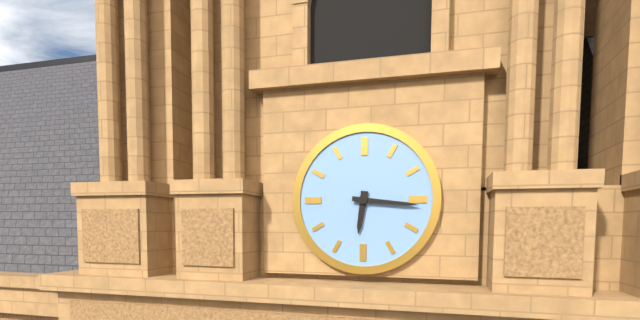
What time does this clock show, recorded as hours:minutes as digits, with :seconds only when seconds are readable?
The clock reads 6:16
